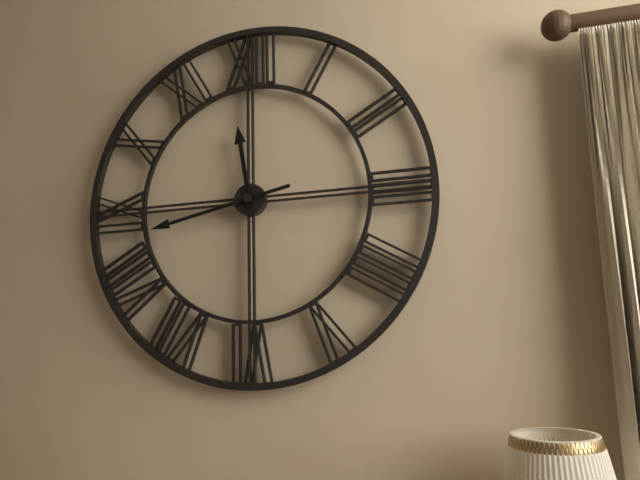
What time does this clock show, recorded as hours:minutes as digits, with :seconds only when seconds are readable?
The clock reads 11:43
